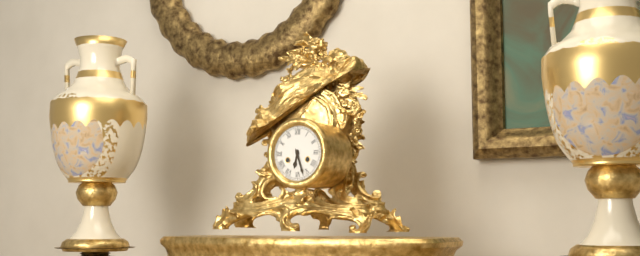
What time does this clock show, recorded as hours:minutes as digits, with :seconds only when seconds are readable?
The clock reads 6:27
